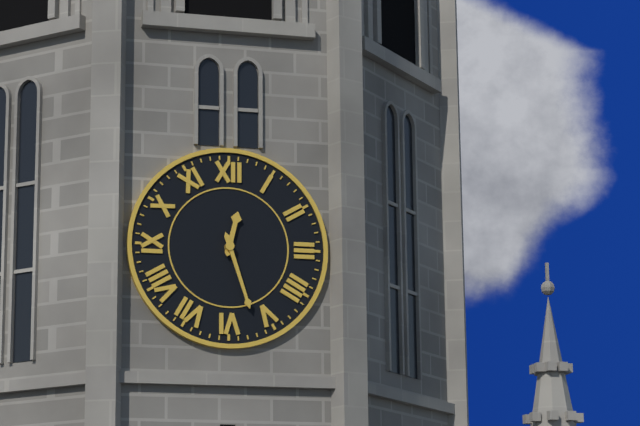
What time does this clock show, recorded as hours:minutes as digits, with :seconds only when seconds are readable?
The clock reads 12:27
